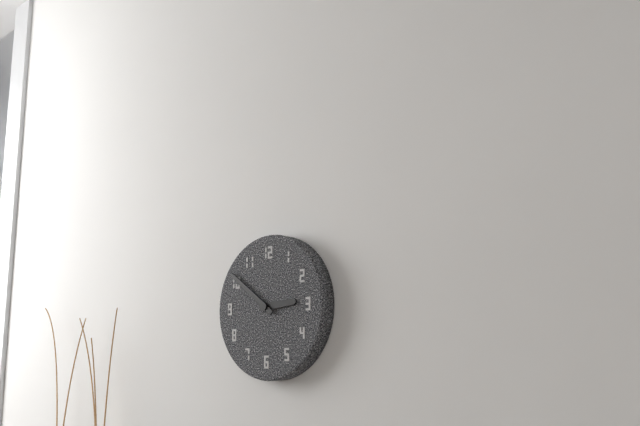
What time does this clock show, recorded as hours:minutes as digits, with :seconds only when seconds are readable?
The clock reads 2:51
